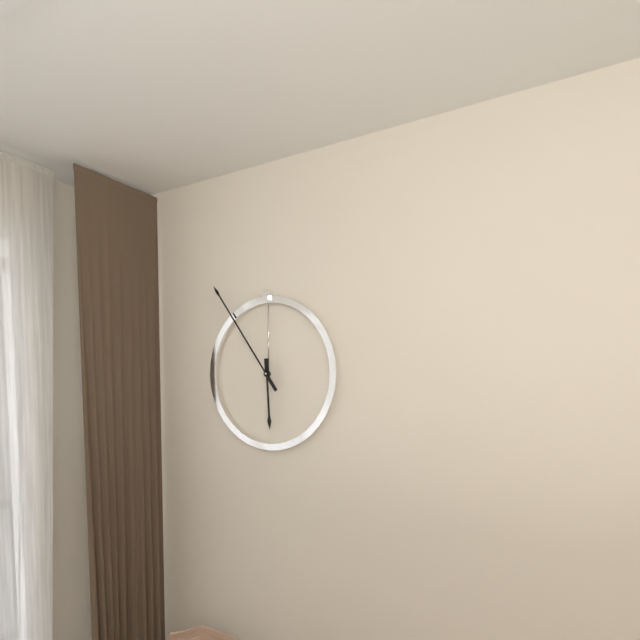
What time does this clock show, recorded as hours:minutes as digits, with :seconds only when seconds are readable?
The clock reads 5:54
